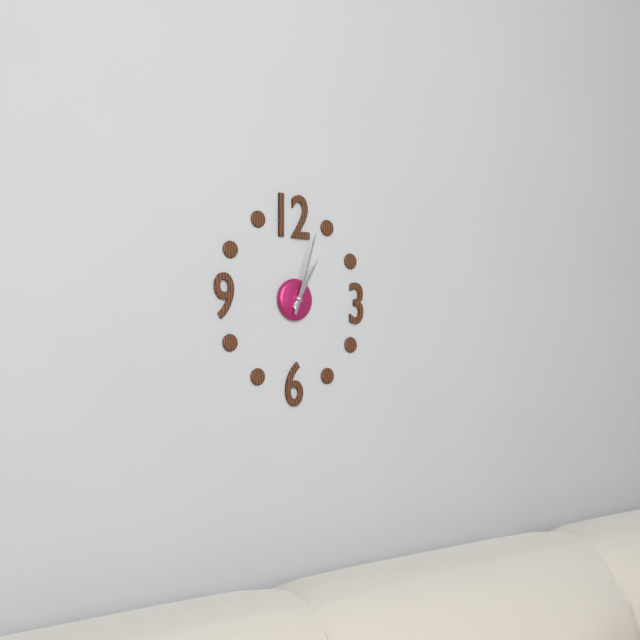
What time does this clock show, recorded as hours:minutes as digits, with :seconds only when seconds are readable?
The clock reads 1:03
